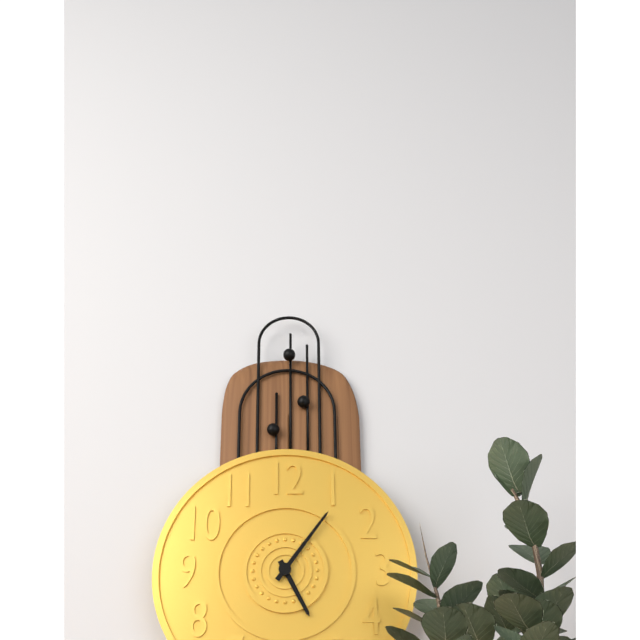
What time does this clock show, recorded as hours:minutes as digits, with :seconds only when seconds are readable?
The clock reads 5:06
